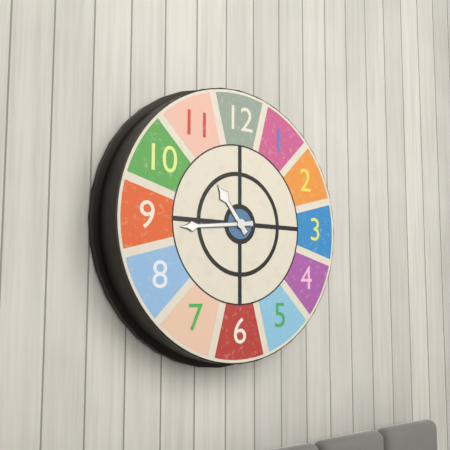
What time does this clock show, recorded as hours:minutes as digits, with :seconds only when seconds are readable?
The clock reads 10:44
